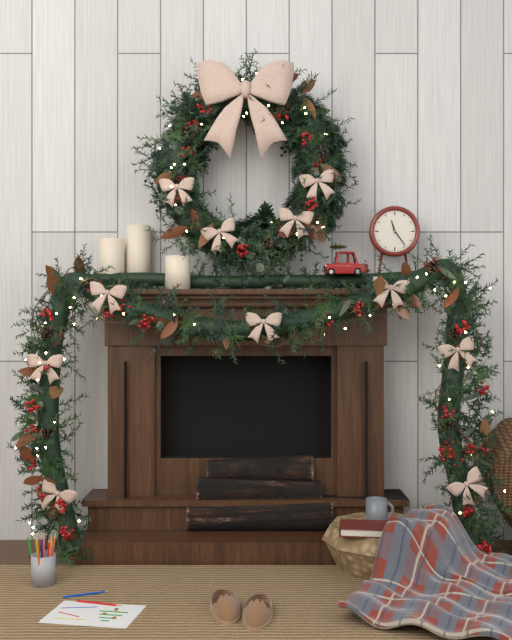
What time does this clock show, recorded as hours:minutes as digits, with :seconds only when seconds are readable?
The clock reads 11:24
